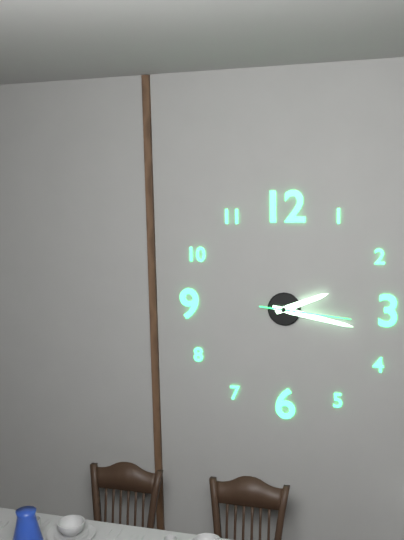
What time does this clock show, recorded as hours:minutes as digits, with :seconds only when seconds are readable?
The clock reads 2:17:16
